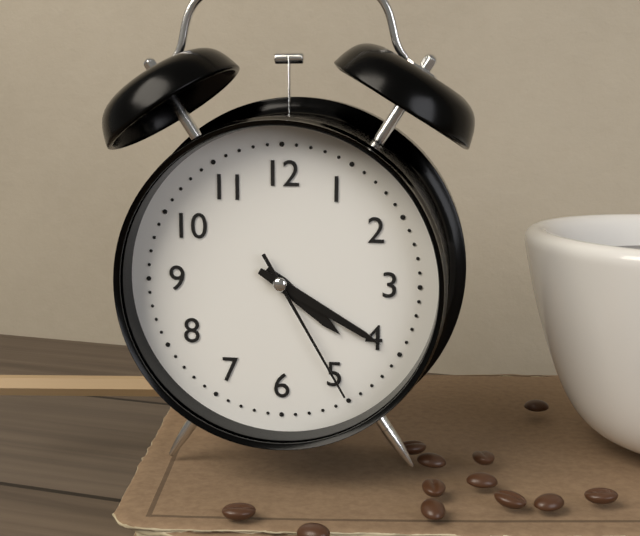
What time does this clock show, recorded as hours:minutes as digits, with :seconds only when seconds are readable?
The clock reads 4:20:25
